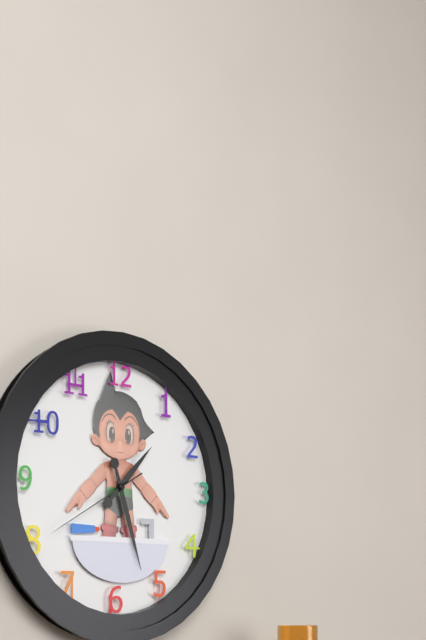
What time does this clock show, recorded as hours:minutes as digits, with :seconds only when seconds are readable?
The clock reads 1:27:40
